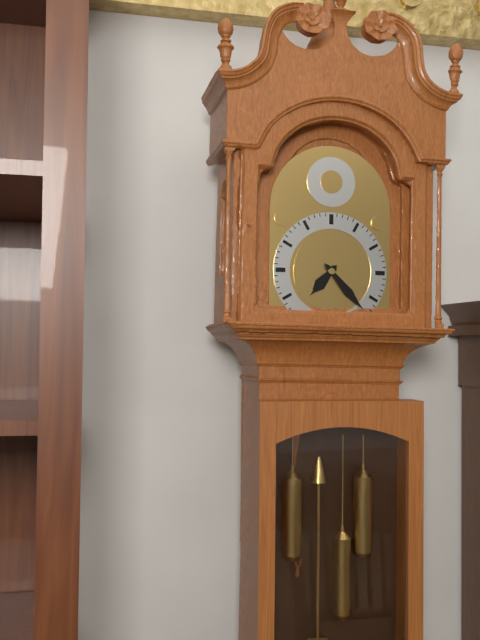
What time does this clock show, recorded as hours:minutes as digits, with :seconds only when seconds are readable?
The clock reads 7:23
